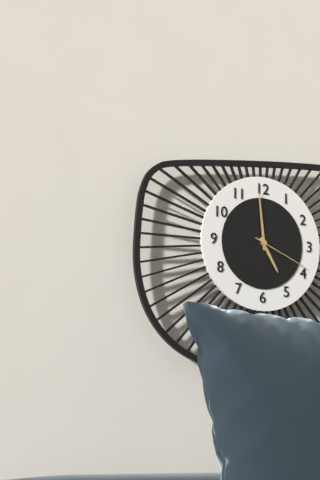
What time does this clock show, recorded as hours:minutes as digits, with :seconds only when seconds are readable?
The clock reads 4:59:19
